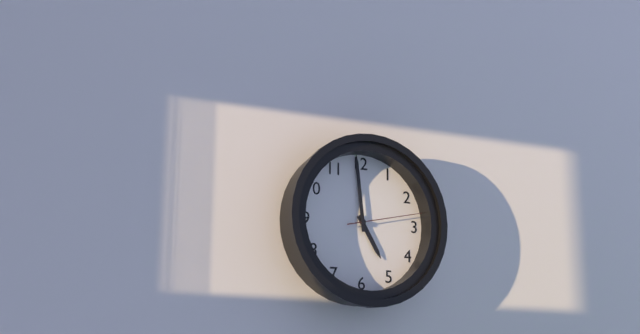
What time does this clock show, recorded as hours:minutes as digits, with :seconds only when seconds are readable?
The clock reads 4:59:13
